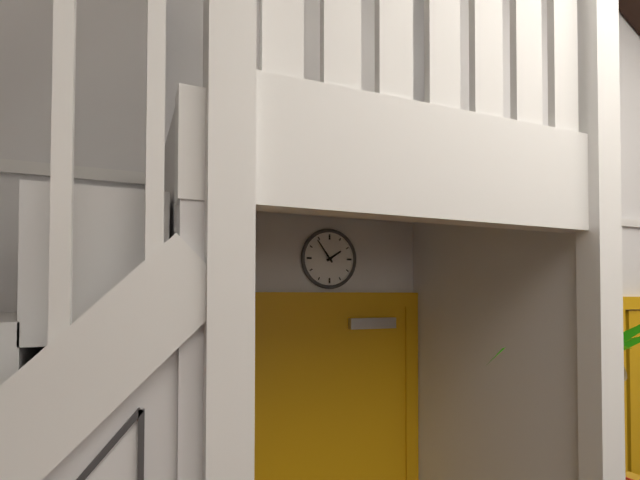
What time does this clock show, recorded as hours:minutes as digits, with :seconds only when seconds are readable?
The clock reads 1:54
